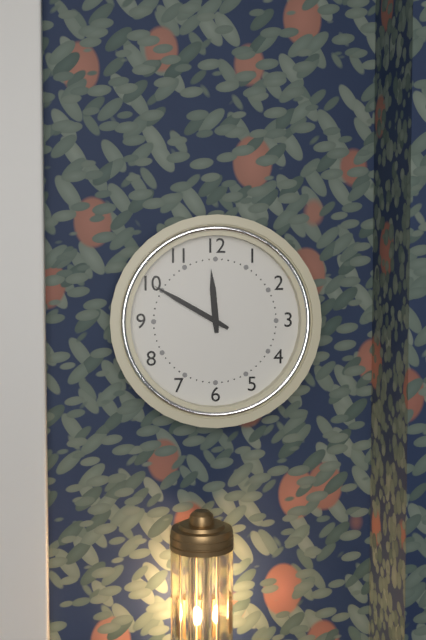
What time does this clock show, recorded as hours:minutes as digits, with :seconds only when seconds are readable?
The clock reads 11:50
